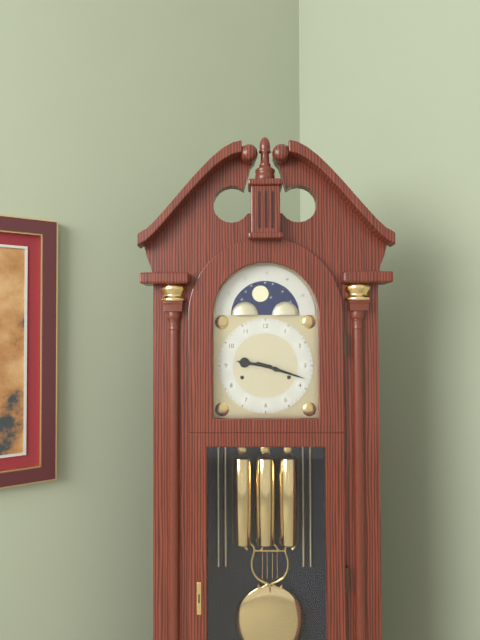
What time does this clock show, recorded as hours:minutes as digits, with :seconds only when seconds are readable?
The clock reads 9:18
